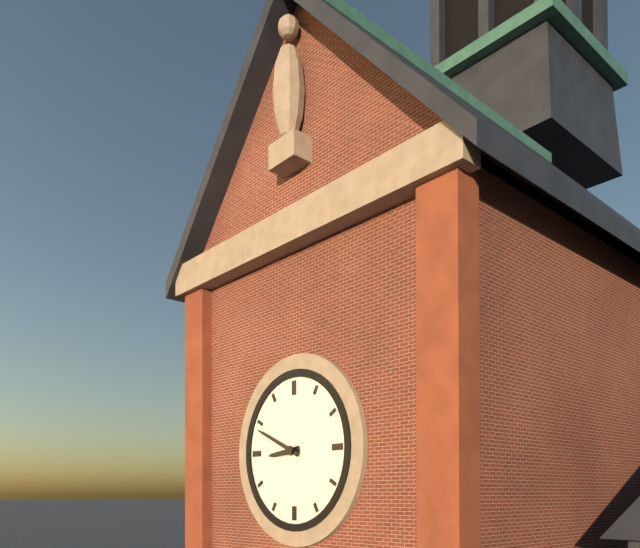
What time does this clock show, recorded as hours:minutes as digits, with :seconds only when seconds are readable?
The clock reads 8:49
